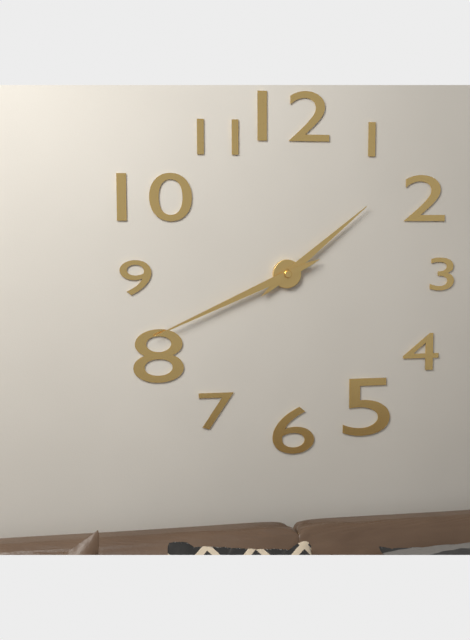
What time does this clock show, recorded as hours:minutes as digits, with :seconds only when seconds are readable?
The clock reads 1:41
